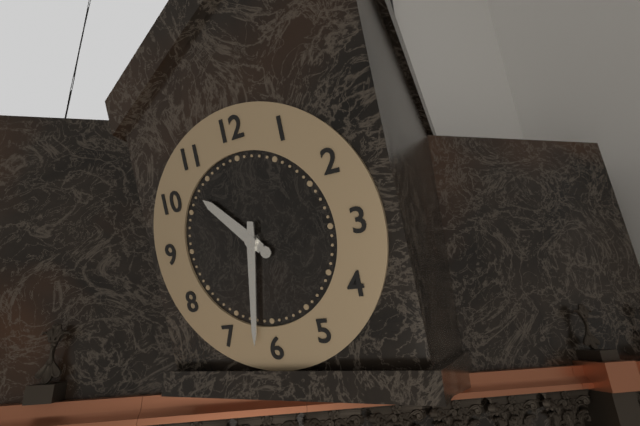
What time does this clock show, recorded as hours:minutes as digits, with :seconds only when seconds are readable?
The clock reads 10:32
